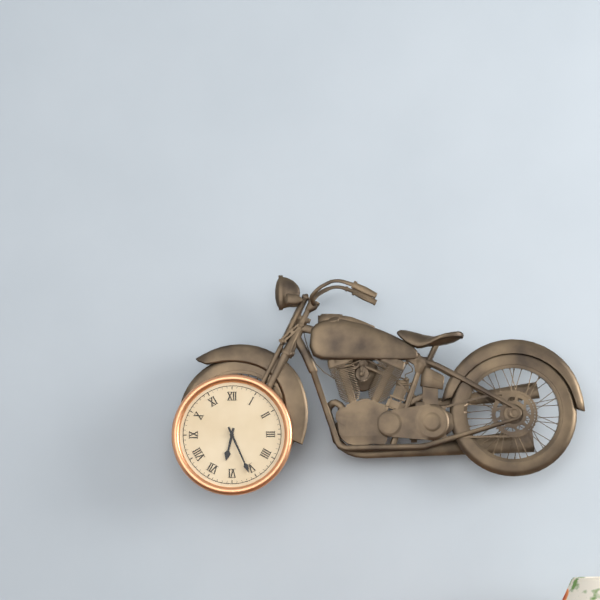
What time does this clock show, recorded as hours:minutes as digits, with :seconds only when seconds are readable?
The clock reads 6:26
